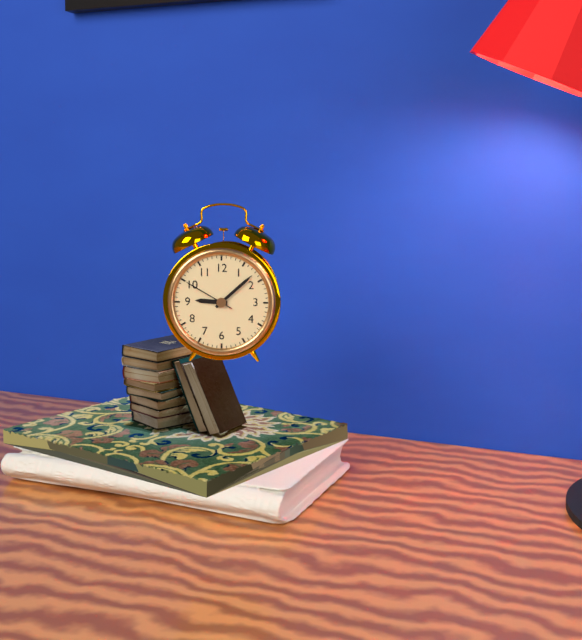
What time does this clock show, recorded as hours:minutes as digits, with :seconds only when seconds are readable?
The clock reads 9:08:50
